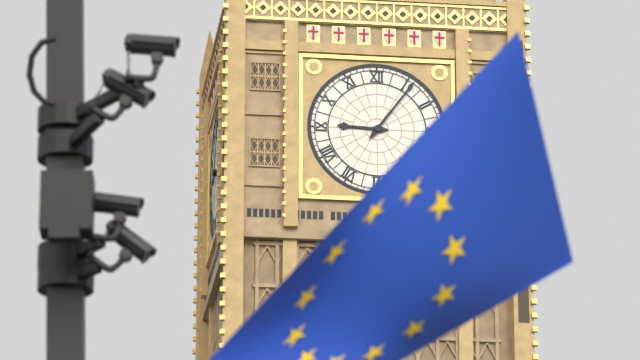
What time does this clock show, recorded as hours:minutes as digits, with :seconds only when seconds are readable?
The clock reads 9:06
